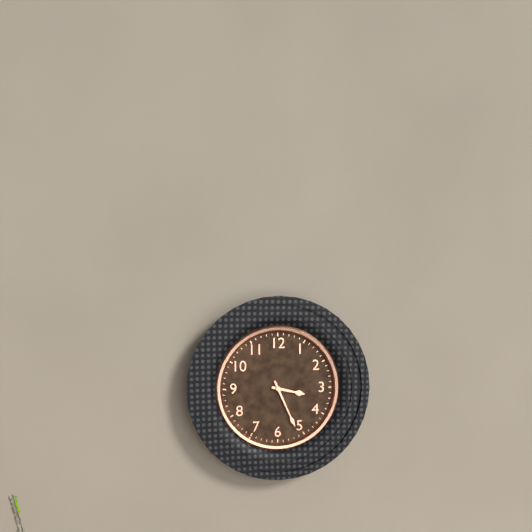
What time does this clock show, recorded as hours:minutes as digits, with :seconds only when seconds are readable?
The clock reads 3:26
